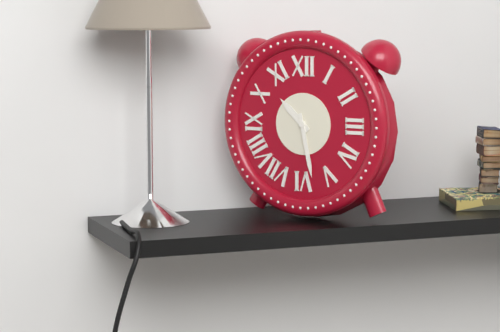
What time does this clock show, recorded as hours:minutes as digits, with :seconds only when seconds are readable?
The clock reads 10:28
